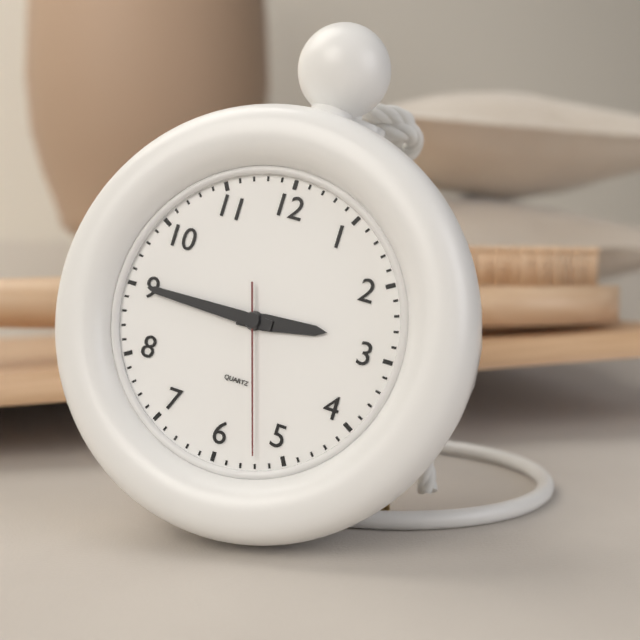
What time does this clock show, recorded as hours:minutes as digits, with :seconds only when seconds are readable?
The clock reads 2:45:27
